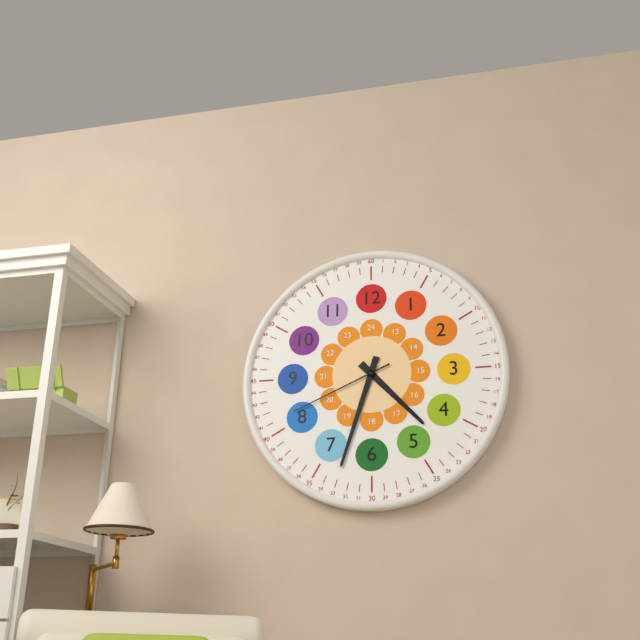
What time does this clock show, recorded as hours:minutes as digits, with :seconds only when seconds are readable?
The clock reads 4:33:41
